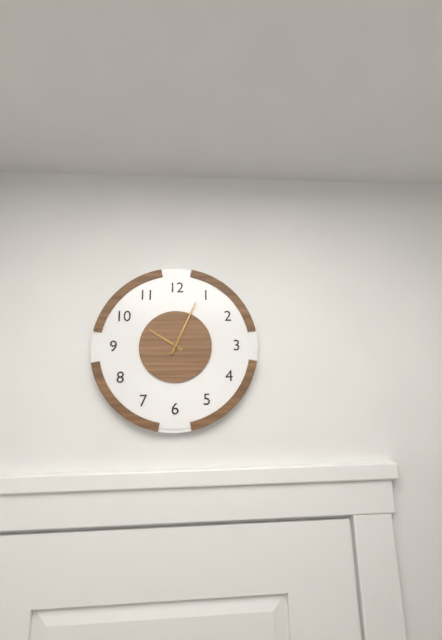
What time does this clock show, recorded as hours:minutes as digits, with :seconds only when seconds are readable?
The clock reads 10:04
